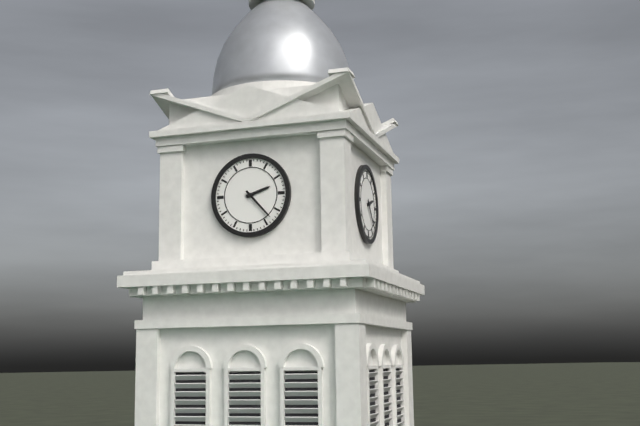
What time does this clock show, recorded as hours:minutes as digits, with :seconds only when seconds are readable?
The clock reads 2:23
